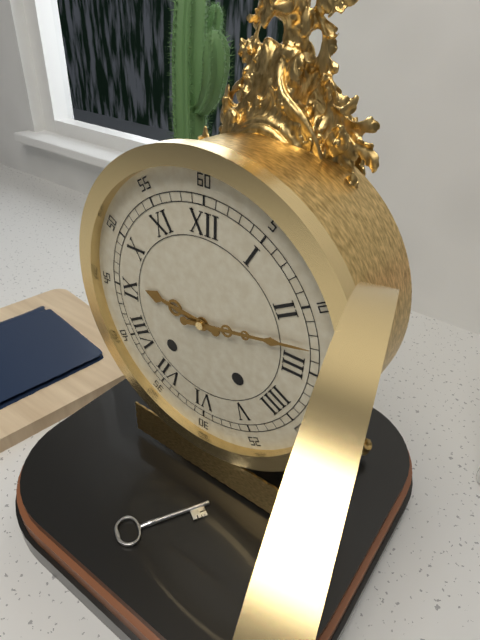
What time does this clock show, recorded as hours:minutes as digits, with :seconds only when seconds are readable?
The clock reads 9:13
